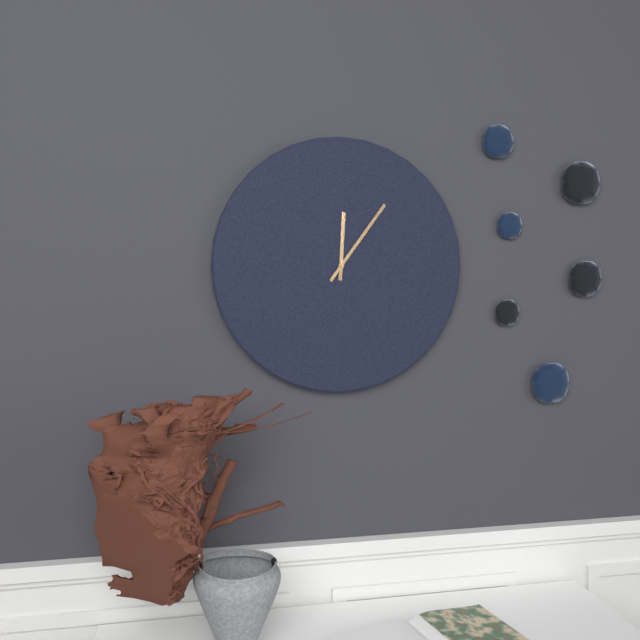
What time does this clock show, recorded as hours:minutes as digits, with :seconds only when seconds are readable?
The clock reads 12:06
